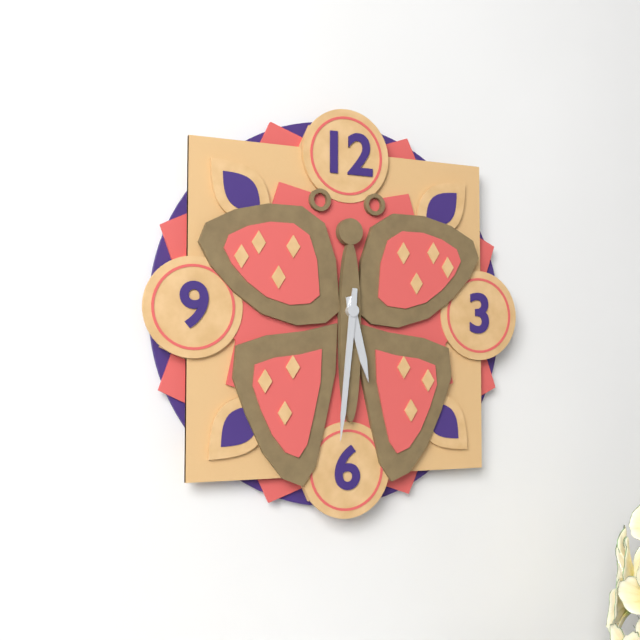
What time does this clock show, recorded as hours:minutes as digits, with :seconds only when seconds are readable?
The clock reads 5:31
